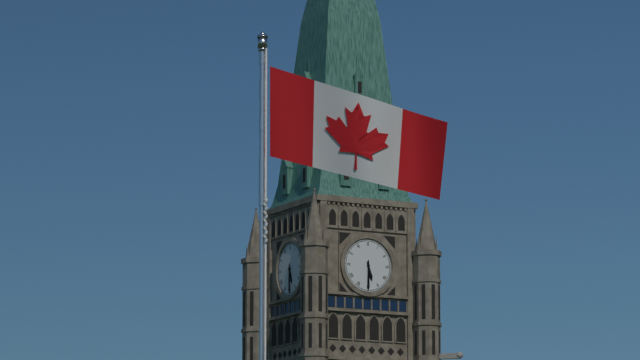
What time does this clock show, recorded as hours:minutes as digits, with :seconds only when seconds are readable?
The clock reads 5:30
